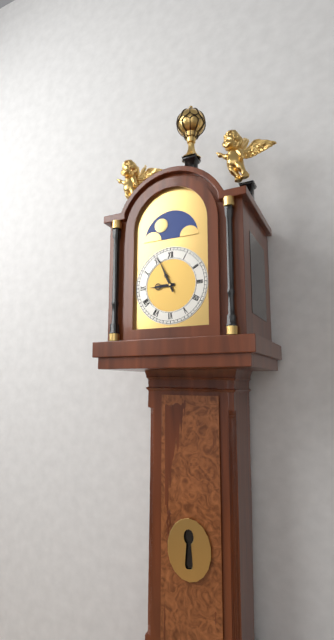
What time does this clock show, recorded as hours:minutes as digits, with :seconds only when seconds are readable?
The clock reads 8:56
